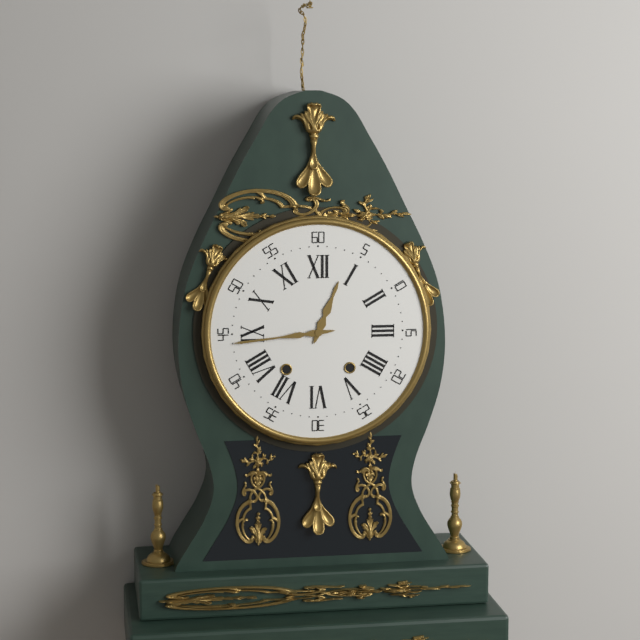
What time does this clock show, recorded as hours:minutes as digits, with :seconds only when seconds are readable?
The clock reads 12:44
